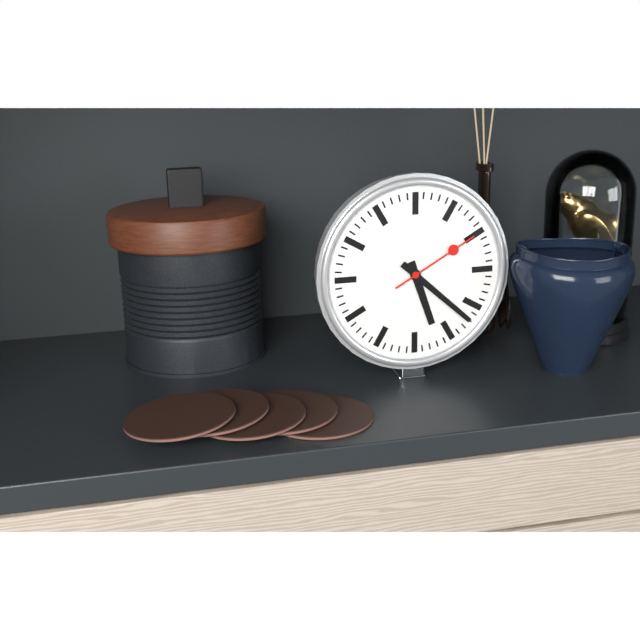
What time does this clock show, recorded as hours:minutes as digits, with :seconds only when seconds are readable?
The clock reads 5:22:10
